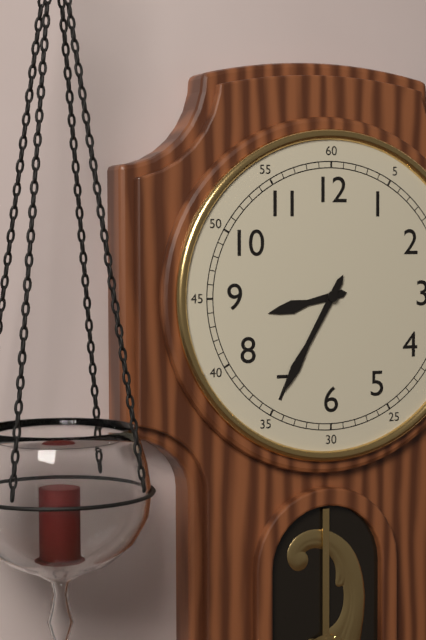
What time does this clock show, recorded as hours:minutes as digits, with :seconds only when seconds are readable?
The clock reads 8:35
